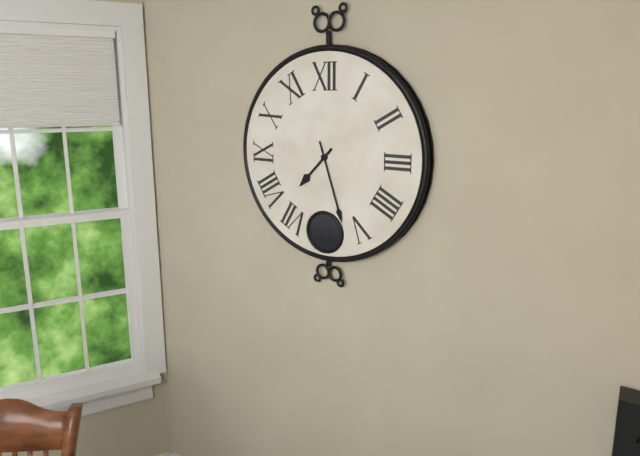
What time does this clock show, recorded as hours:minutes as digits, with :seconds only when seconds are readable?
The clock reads 7:27
